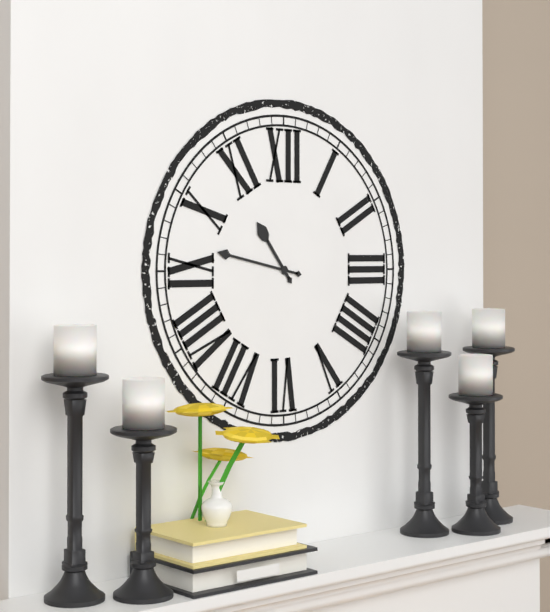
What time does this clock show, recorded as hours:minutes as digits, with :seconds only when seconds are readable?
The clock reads 10:47
